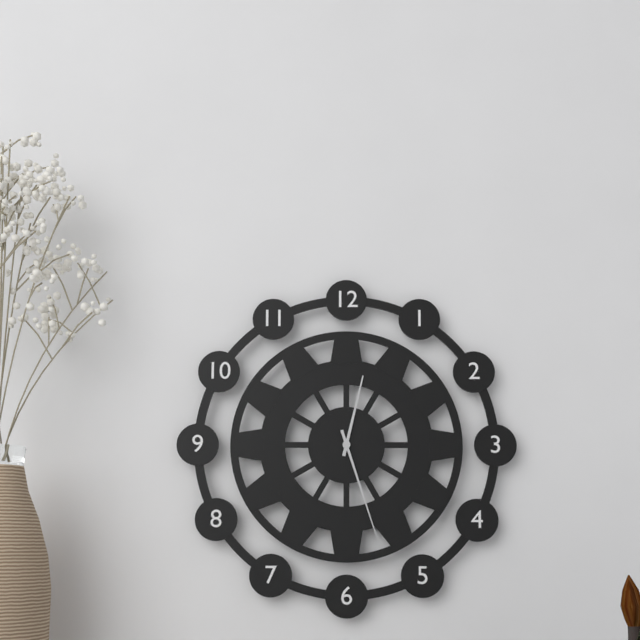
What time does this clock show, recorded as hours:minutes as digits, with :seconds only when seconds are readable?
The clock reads 12:27
